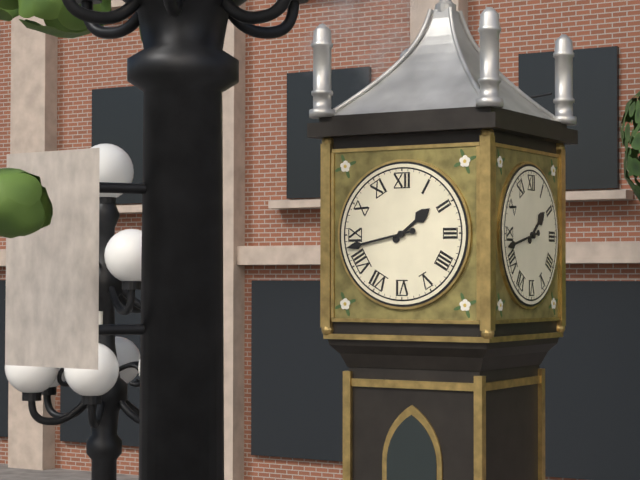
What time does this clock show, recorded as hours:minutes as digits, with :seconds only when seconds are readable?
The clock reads 1:43
